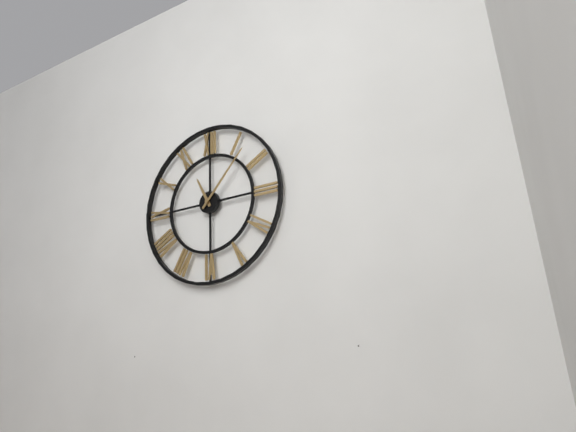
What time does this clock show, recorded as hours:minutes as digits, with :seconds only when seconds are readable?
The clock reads 11:07
